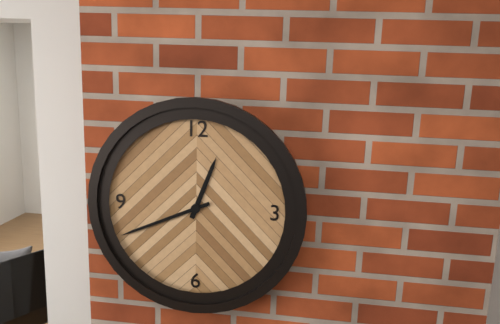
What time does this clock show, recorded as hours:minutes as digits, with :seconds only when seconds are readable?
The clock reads 12:41
